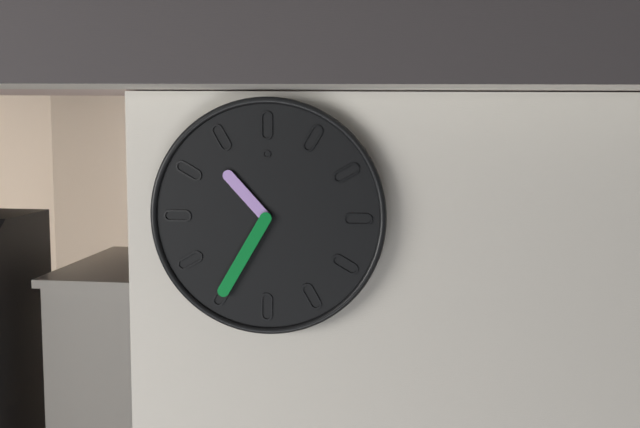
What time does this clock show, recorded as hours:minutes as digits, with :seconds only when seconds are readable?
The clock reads 10:35
